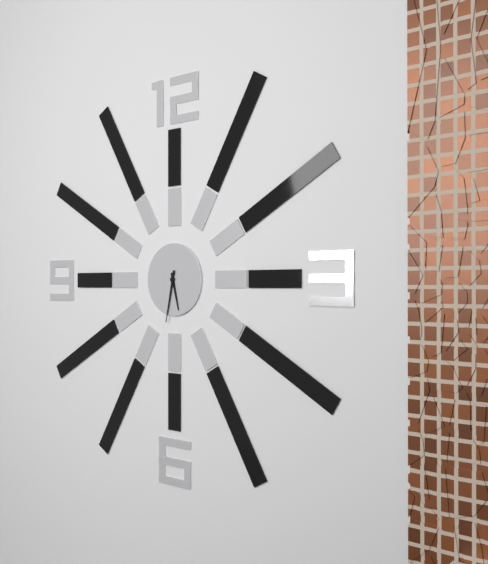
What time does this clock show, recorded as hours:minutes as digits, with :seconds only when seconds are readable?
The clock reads 5:32
